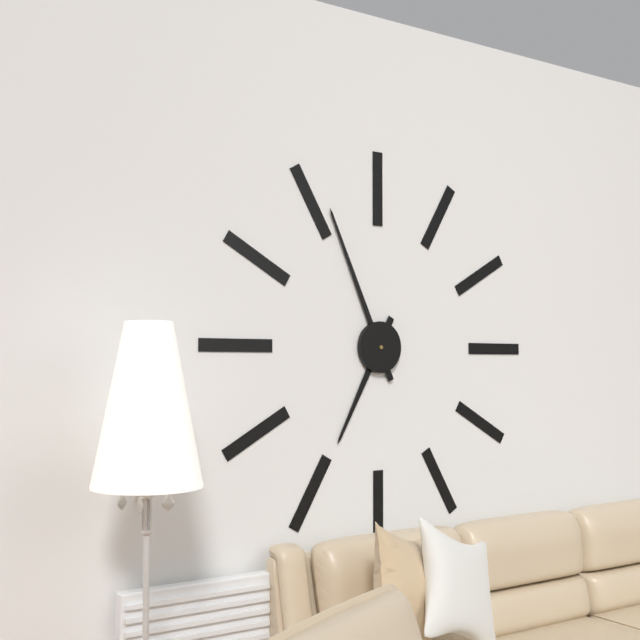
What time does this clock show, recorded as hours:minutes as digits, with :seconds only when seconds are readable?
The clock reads 6:56
